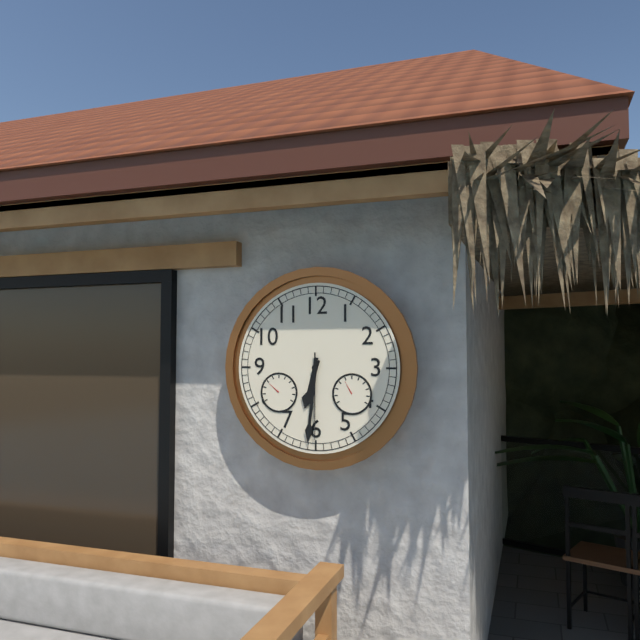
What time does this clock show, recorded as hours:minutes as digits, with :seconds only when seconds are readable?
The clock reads 6:31:30
